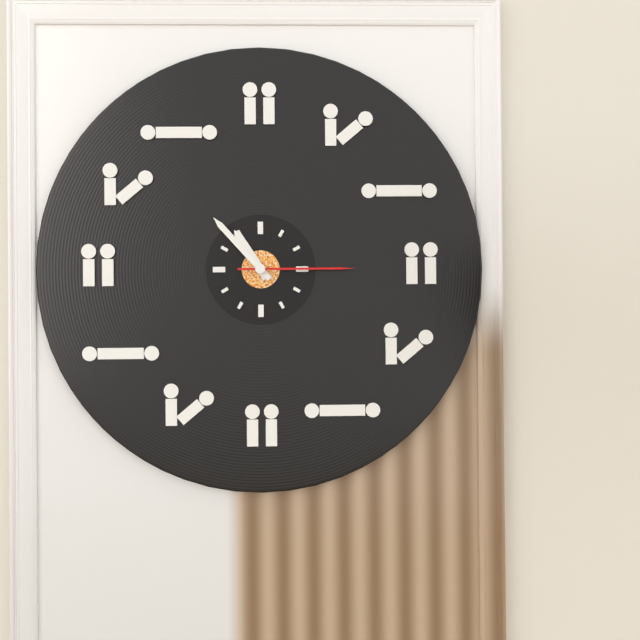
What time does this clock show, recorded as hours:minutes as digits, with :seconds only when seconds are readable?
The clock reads 10:53:15
